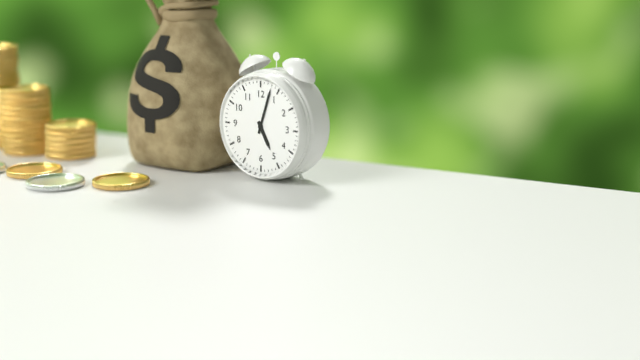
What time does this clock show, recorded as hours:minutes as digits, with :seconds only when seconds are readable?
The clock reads 5:03
